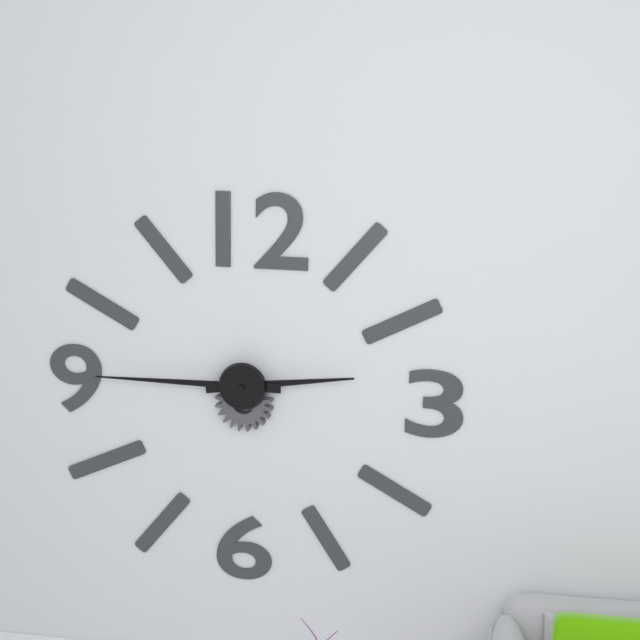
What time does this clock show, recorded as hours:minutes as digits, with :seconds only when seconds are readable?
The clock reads 2:45
